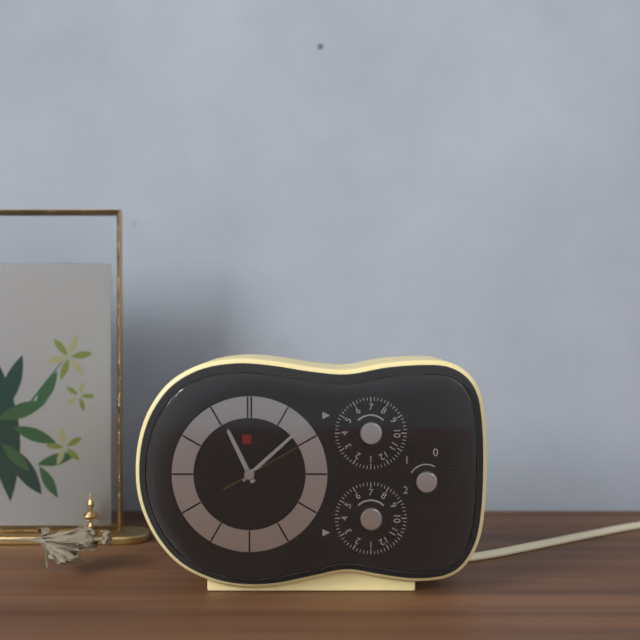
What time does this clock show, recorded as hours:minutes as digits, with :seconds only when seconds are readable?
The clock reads 11:08:10
